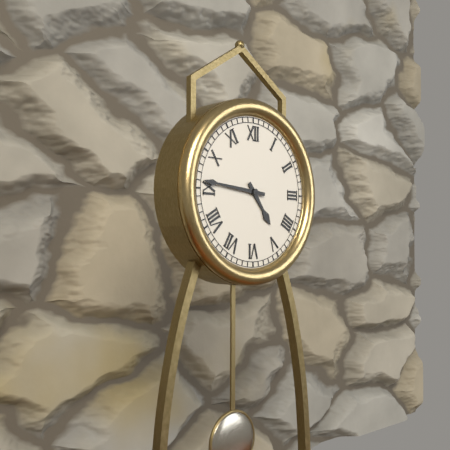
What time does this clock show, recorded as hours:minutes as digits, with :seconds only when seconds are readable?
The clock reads 4:46
